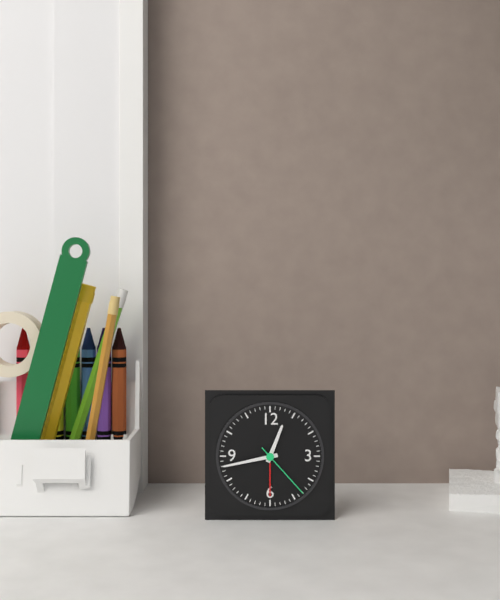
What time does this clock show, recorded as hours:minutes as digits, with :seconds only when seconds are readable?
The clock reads 12:43:23
